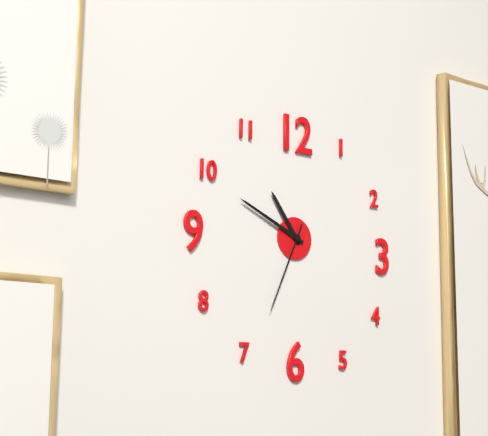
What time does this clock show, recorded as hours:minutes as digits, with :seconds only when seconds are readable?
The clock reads 10:49:34
